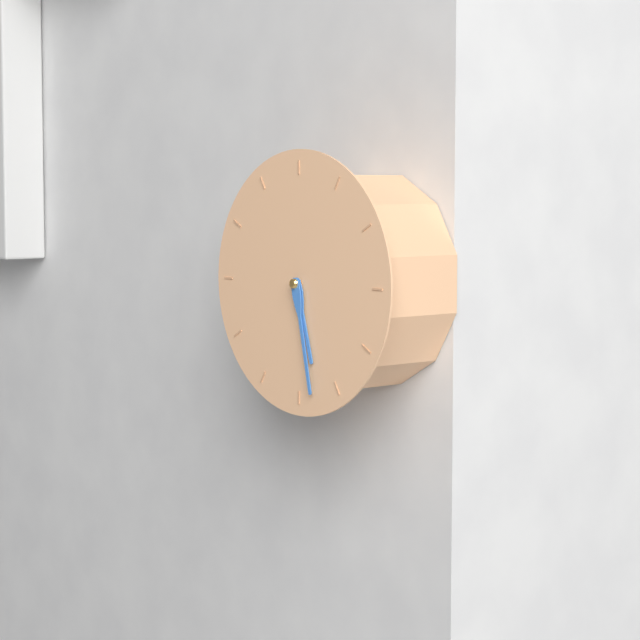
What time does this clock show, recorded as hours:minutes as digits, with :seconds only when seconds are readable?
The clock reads 5:28
